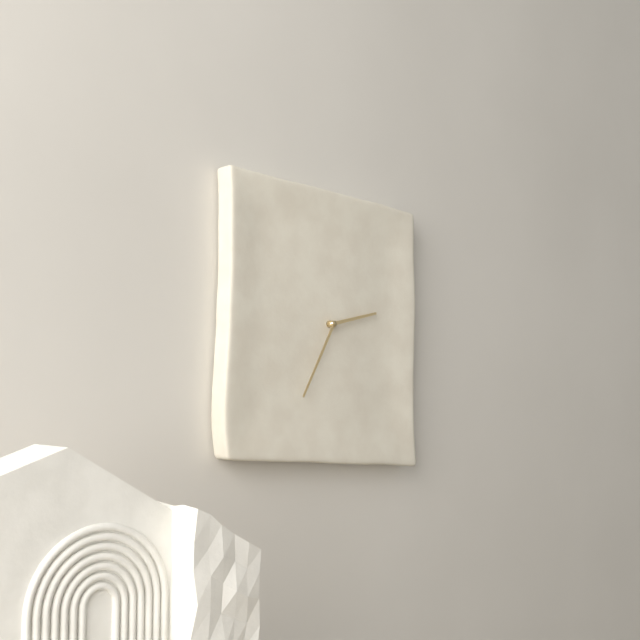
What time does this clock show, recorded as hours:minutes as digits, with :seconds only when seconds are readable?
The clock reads 2:35
